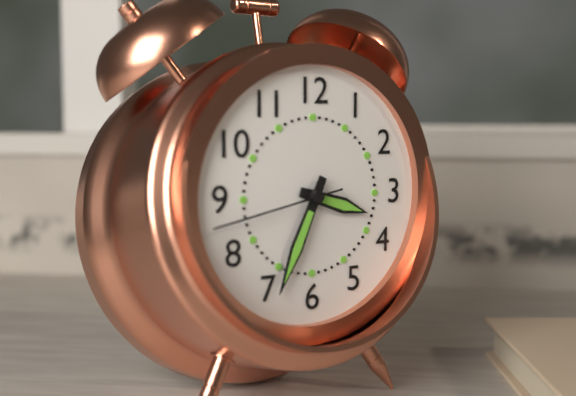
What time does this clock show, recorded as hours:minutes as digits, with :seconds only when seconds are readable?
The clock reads 3:34:43
